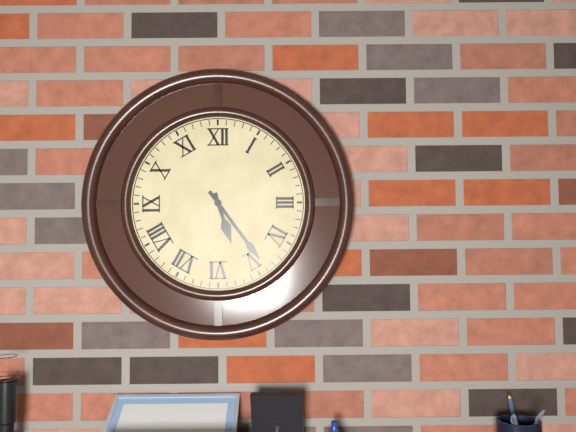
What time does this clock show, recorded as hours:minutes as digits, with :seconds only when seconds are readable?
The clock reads 5:24
